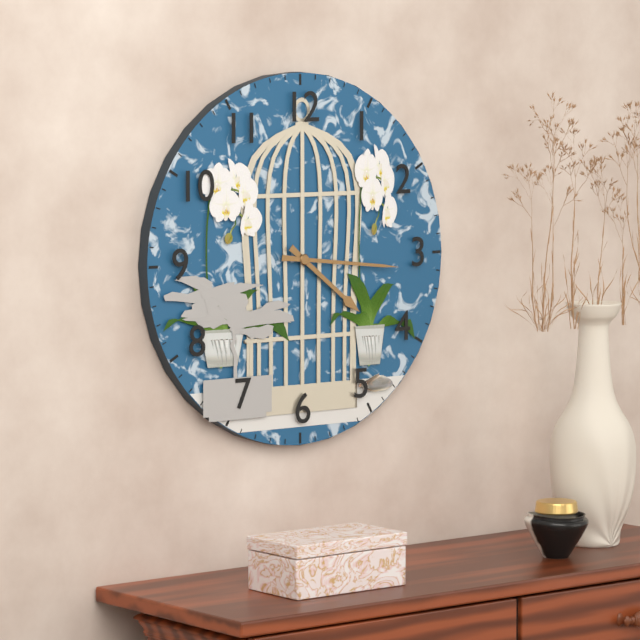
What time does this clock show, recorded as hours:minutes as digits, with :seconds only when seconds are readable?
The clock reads 4:16
